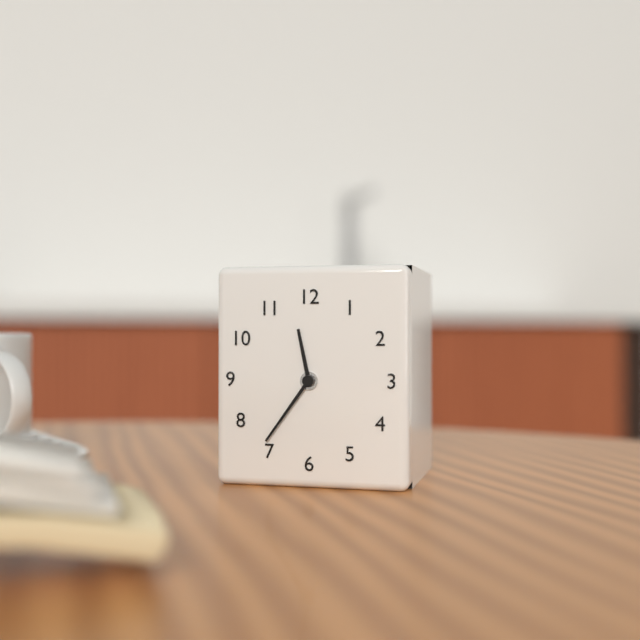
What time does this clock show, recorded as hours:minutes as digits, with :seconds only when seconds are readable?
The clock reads 11:36
